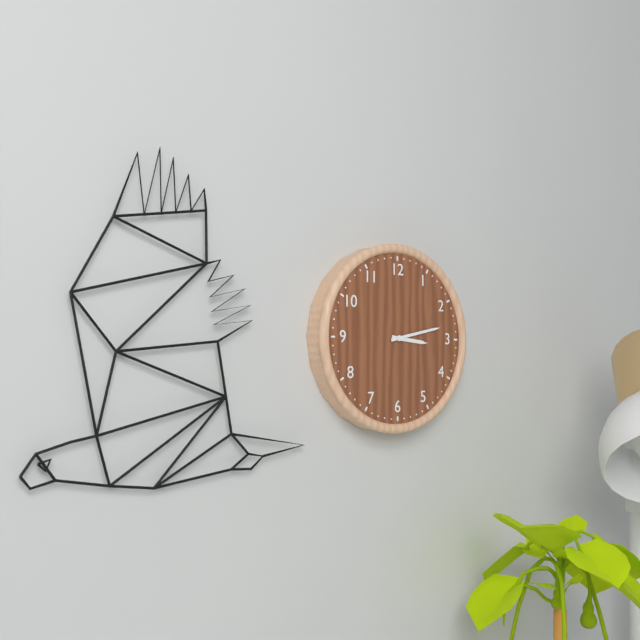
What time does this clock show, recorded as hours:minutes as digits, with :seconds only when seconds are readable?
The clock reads 3:13
